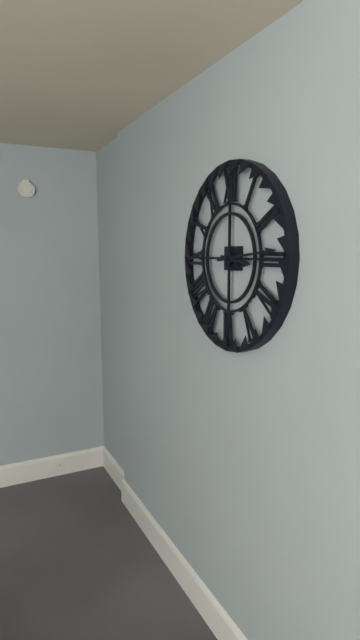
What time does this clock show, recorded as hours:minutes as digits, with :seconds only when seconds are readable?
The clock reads 3:14
